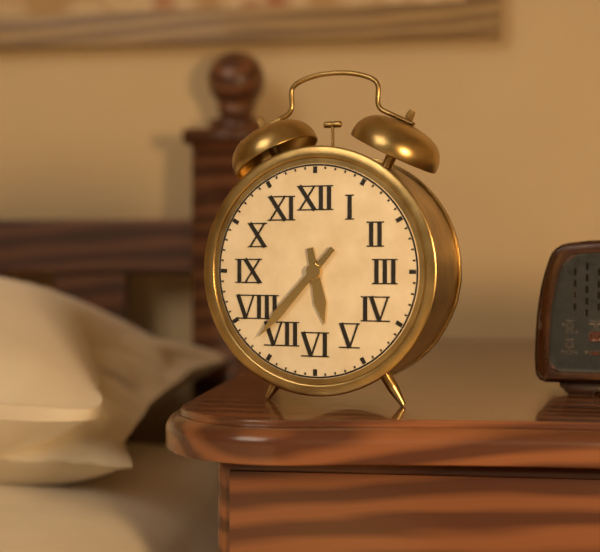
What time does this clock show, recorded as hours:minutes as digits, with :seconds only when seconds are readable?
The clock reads 5:37
